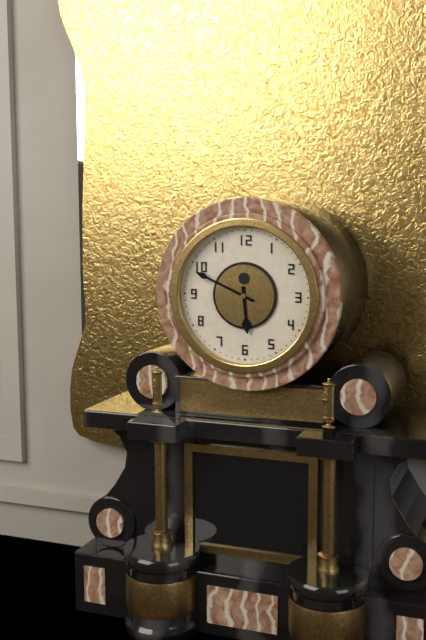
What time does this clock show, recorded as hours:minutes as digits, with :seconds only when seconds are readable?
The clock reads 5:49
